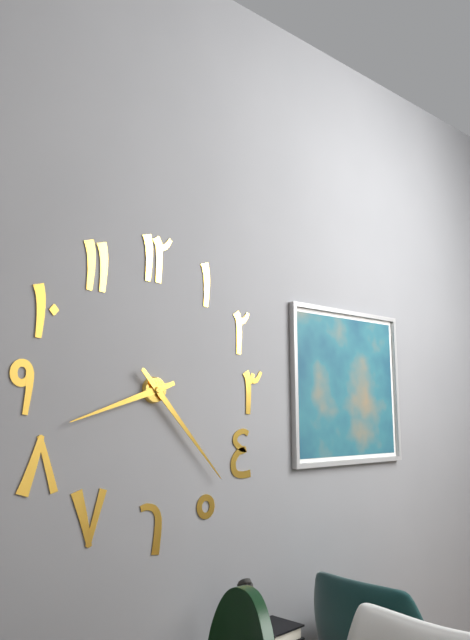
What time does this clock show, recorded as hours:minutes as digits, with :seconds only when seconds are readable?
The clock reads 8:23
